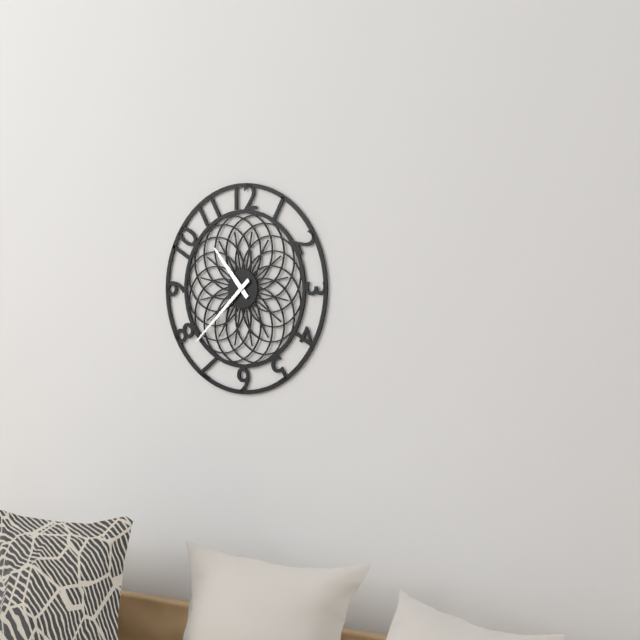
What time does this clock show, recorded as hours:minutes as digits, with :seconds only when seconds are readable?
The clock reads 10:38
